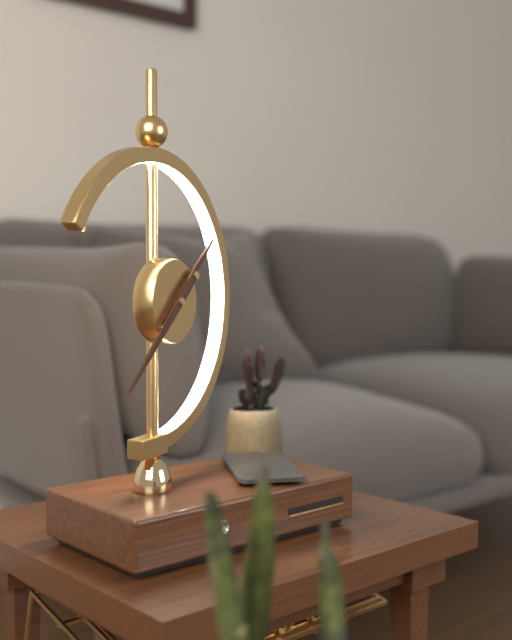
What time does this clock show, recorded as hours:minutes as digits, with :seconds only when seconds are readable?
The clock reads 1:38
